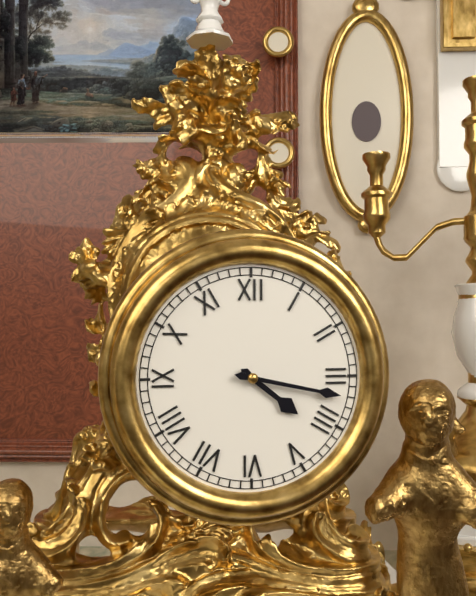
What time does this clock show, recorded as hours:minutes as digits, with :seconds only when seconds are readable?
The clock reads 4:17
